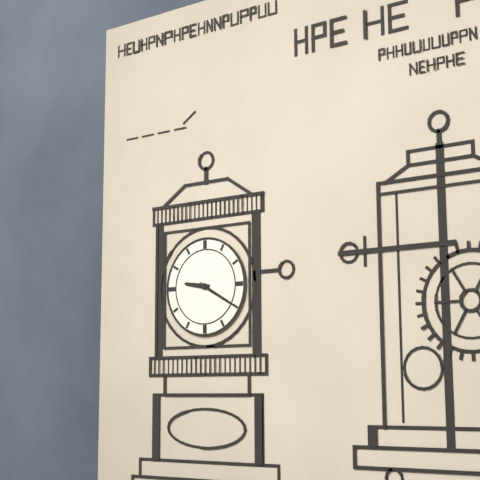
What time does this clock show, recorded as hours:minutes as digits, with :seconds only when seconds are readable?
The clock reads 9:20
